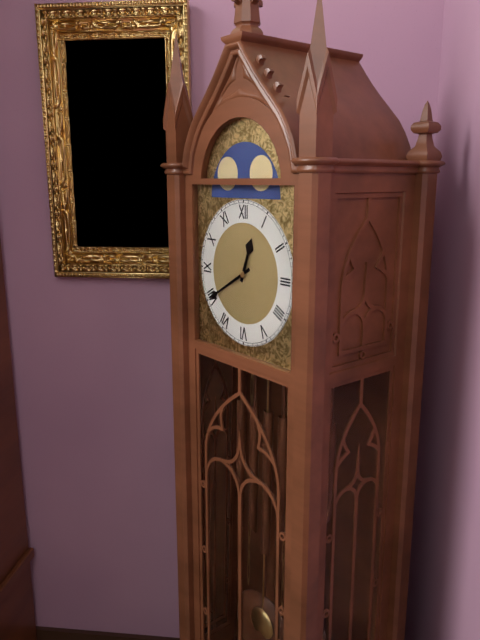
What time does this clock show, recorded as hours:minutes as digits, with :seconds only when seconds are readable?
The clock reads 12:40
